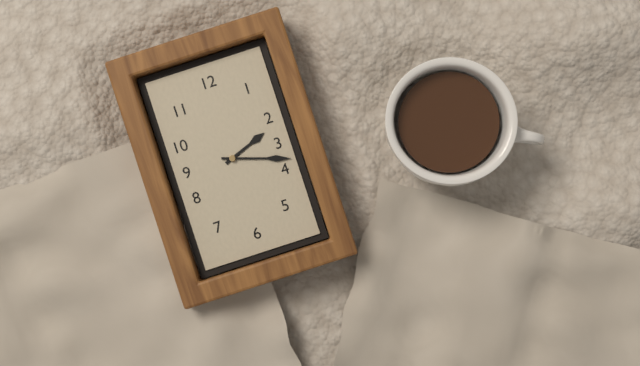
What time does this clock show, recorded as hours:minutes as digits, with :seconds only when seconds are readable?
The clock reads 2:18
